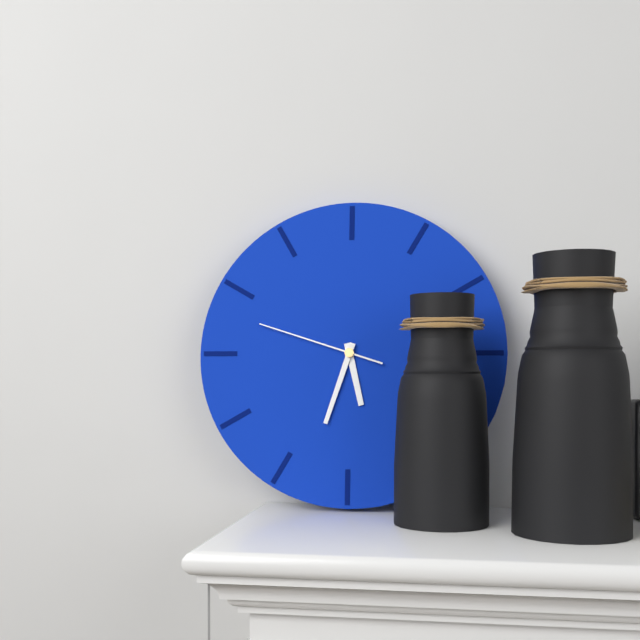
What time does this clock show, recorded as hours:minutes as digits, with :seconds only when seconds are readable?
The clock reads 5:33:48
